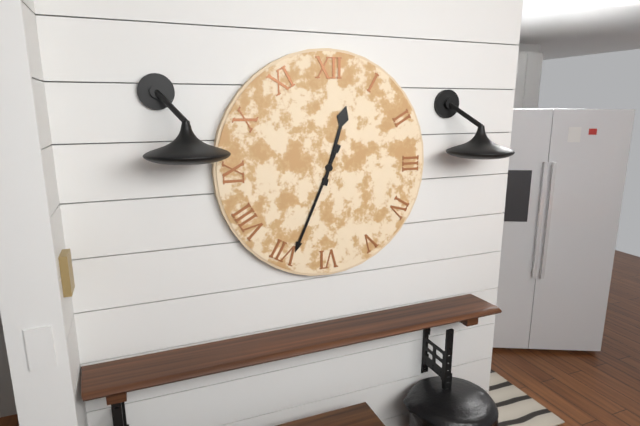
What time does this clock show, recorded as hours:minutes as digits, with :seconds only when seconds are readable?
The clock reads 12:34
